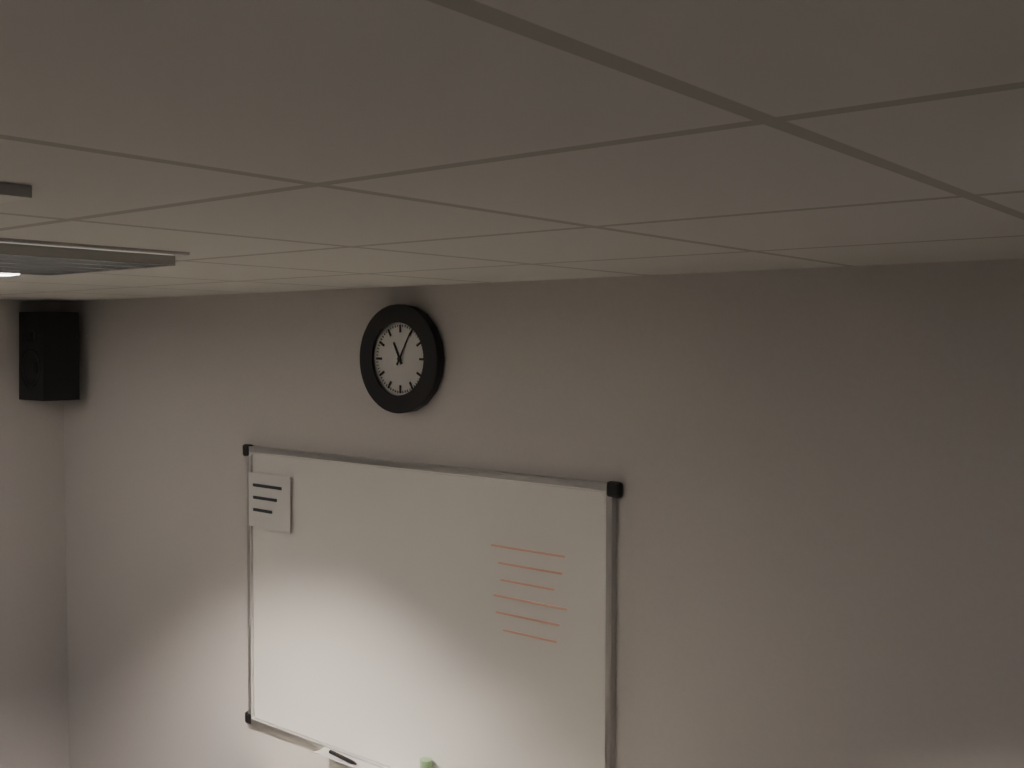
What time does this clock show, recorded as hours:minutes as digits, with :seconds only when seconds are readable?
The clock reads 11:05
